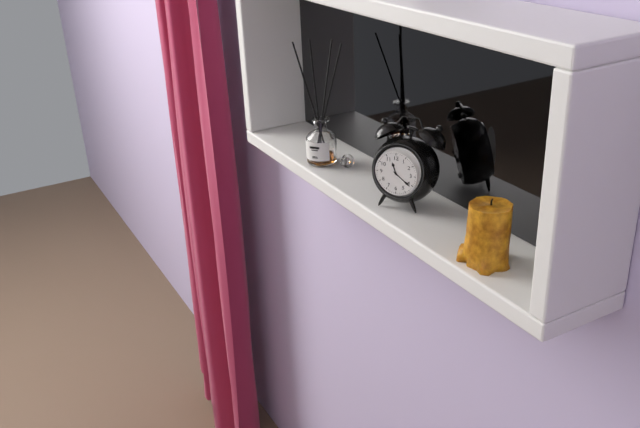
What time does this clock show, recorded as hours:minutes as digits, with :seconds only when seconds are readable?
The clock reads 11:21
